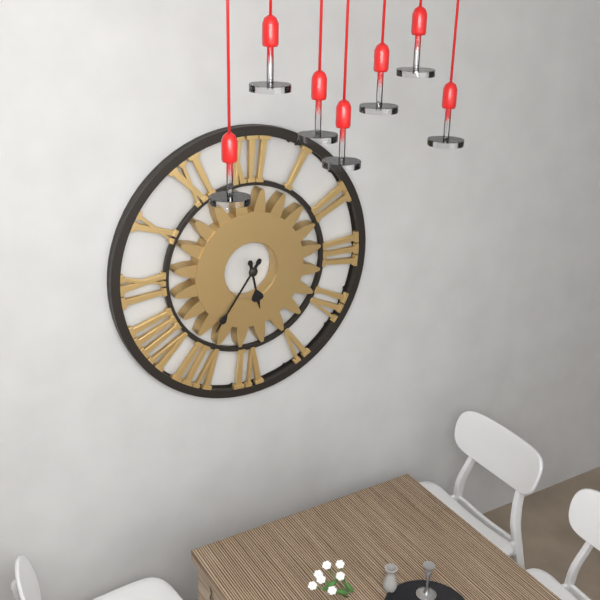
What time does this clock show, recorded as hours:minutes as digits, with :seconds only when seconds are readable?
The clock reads 5:36
